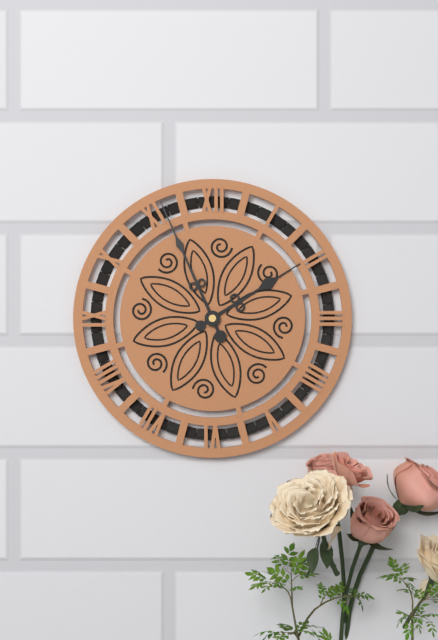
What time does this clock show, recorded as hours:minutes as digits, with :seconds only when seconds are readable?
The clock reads 1:56
